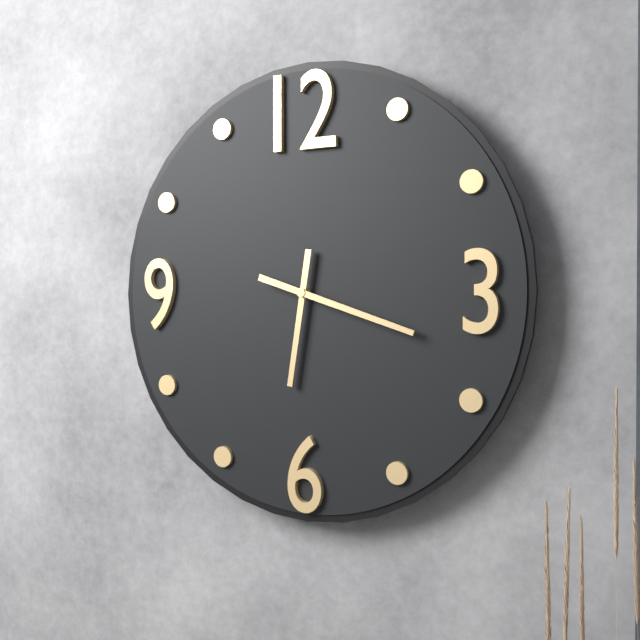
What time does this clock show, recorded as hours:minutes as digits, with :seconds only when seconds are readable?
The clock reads 6:18
